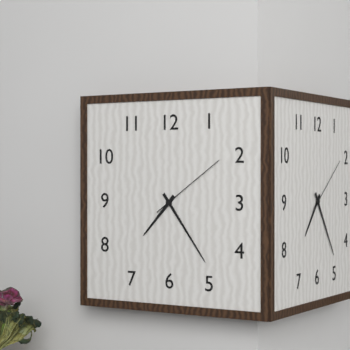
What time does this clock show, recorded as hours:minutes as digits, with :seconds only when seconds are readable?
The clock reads 7:24:09
